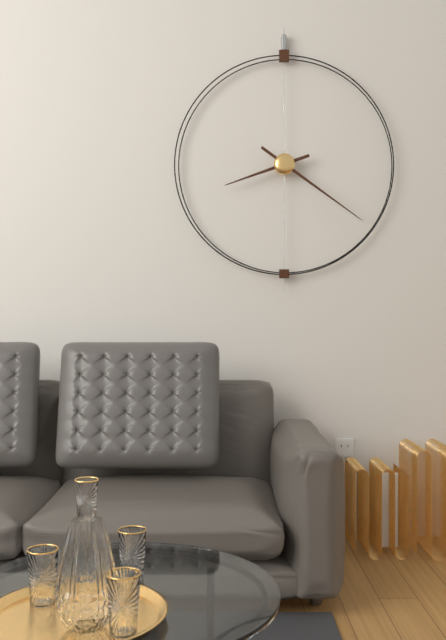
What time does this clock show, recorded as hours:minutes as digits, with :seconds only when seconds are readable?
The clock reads 8:21
